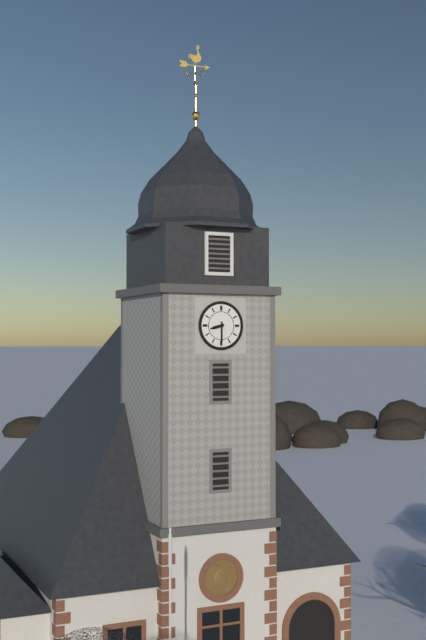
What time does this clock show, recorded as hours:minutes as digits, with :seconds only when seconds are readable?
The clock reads 8:30
